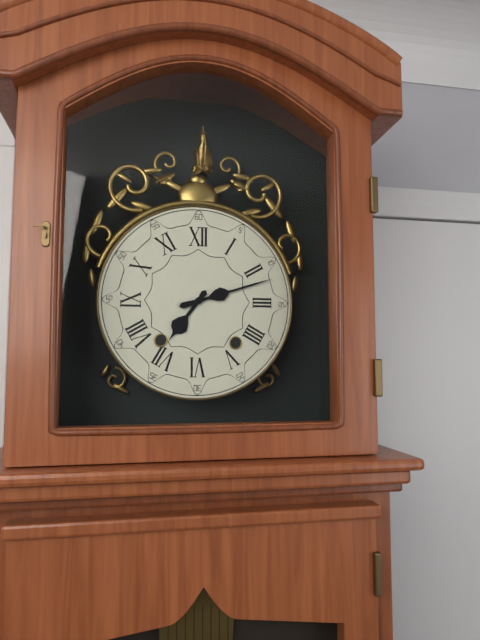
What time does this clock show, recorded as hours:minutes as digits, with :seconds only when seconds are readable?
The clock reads 7:12
